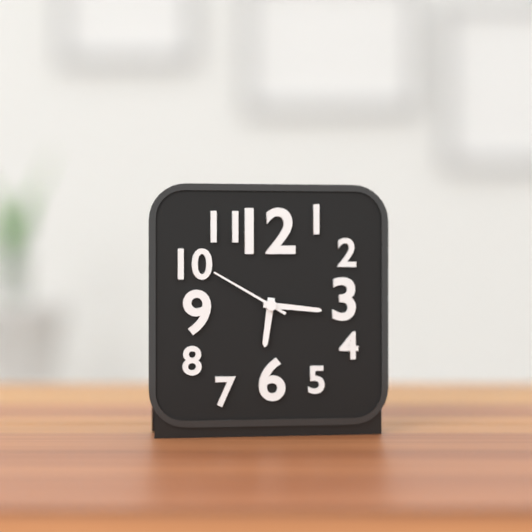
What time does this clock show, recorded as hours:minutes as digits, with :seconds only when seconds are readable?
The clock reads 6:16:50
